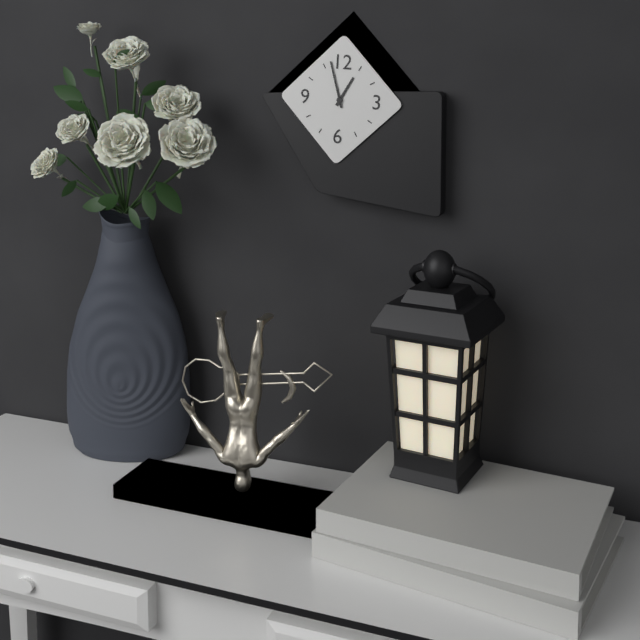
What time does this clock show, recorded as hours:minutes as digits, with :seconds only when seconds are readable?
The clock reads 12:57
